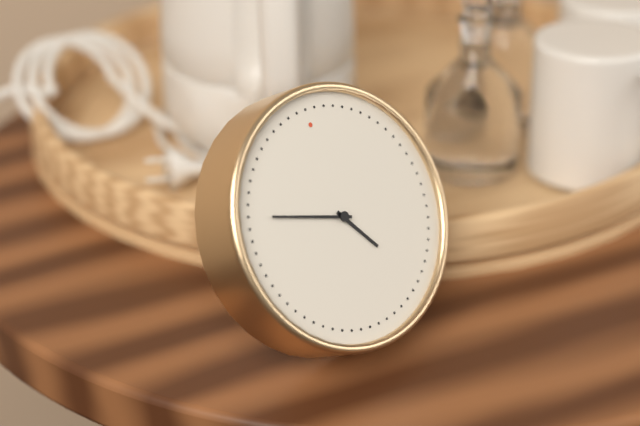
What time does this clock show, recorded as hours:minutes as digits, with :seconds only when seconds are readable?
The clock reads 4:48
